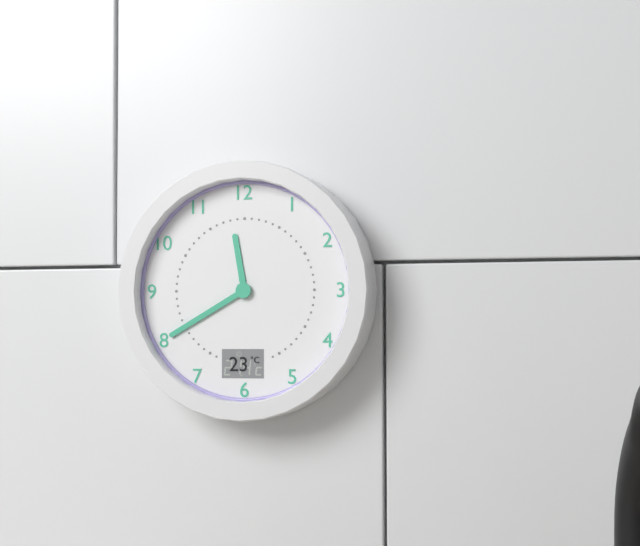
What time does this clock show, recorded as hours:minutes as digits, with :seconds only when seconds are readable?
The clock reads 11:40
